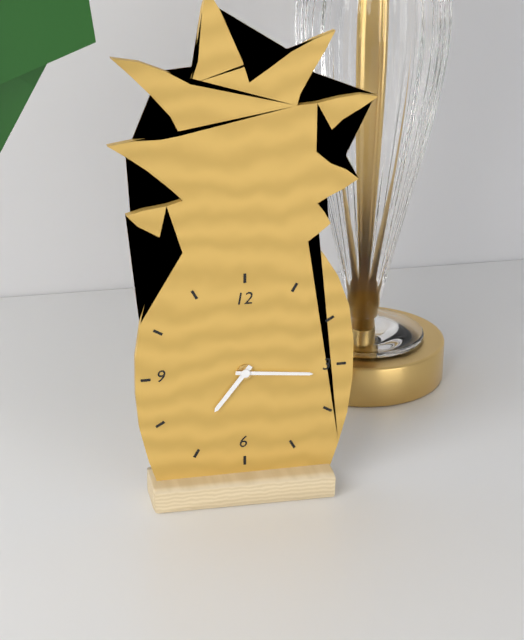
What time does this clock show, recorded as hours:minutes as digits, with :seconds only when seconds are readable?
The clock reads 7:16
